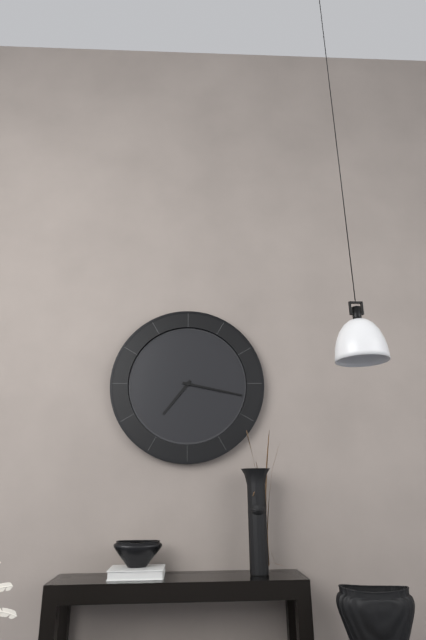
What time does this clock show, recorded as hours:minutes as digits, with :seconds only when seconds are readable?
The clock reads 7:17
